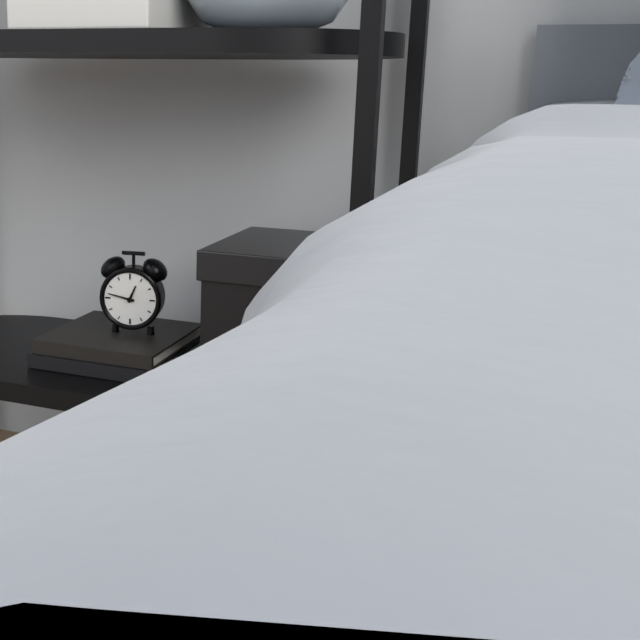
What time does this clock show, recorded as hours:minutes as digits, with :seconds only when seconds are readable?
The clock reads 12:47
